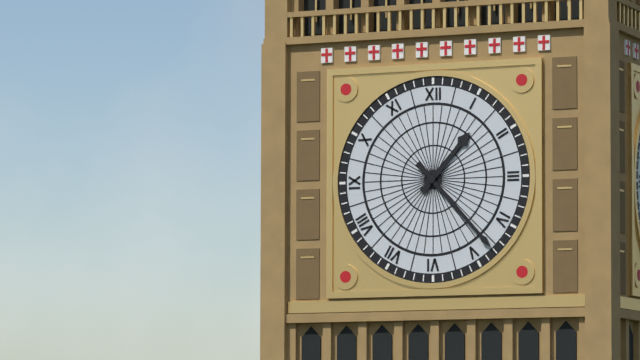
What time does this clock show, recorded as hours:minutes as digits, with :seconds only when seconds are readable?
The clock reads 1:23
